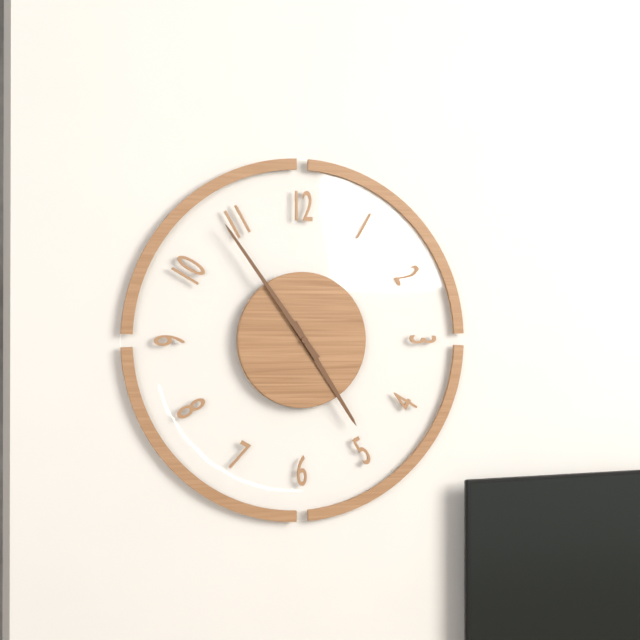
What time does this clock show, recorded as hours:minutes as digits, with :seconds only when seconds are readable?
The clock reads 4:54
